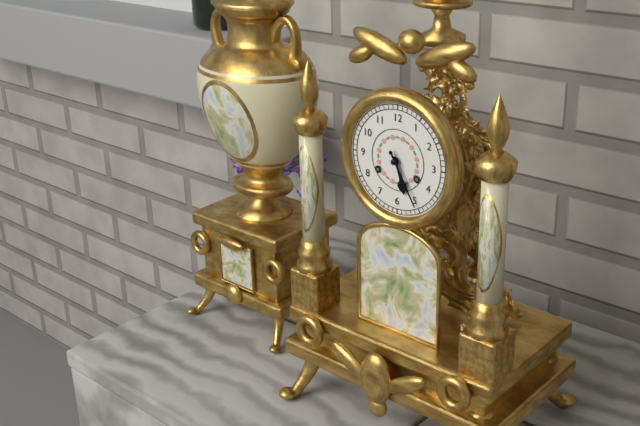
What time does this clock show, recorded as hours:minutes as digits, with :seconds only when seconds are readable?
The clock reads 5:25
